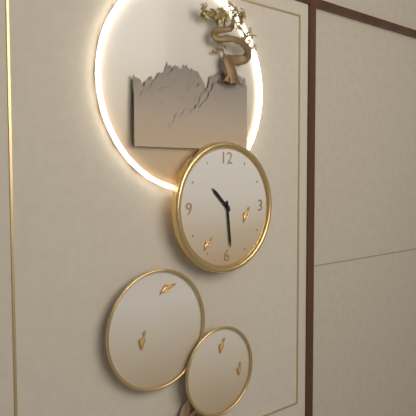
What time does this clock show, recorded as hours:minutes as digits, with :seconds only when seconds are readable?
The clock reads 10:29
